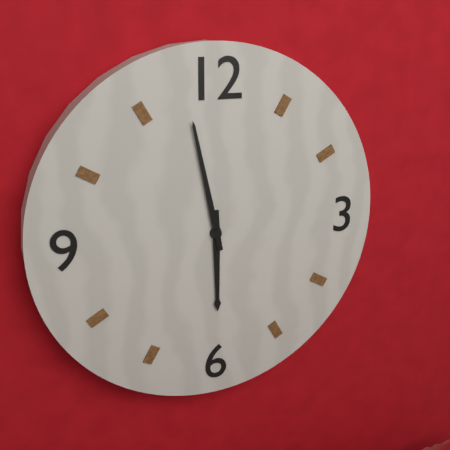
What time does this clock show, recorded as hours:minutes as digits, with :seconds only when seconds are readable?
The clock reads 5:58
